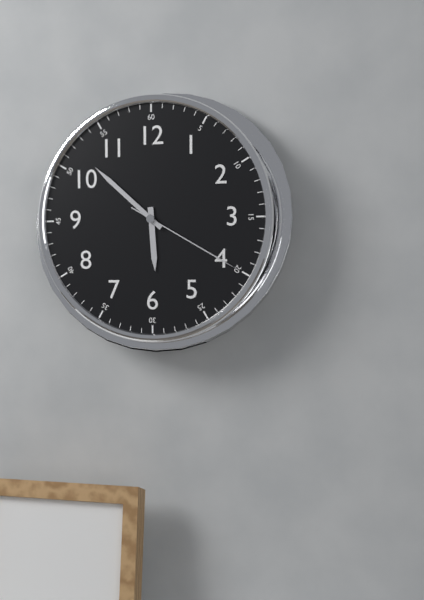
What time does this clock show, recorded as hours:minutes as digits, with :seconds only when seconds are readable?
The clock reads 5:52:20
